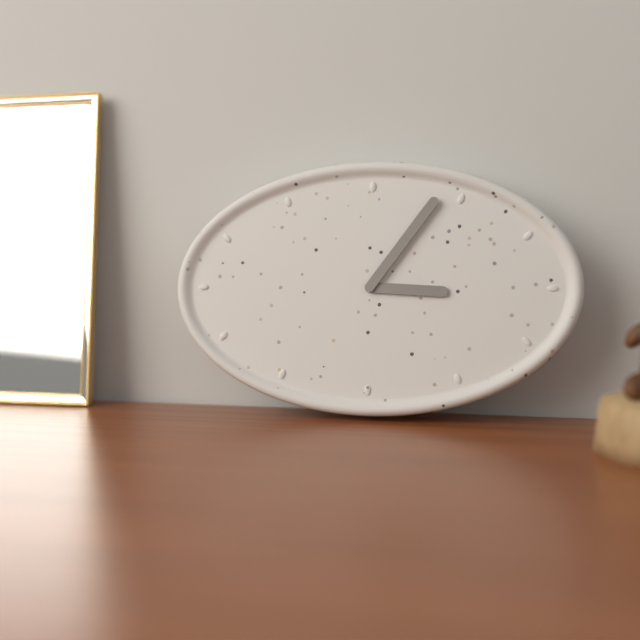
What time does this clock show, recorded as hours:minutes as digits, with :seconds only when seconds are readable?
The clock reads 3:06
